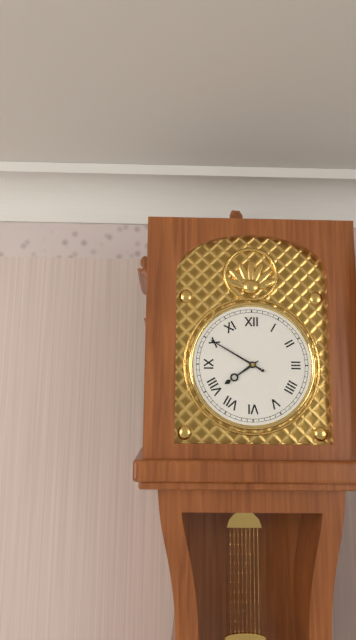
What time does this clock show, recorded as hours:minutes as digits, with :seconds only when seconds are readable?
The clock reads 7:50
